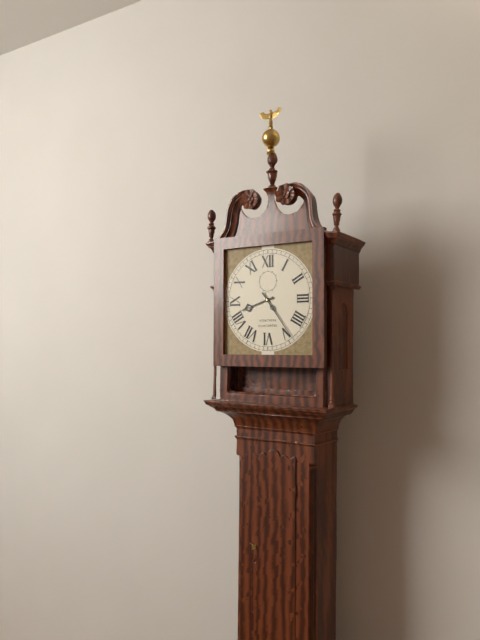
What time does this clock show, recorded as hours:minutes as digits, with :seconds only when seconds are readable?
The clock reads 8:24
